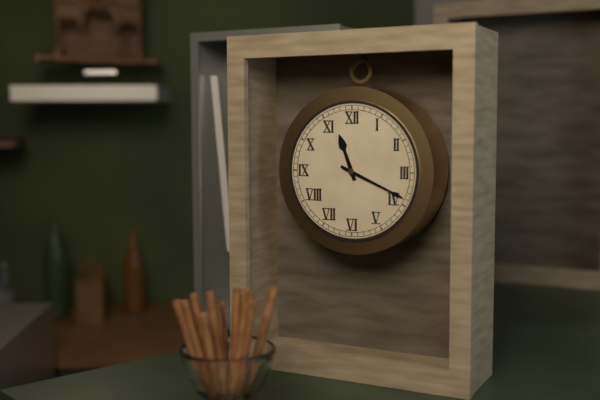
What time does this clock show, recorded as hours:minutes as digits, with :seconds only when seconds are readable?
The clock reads 11:19
